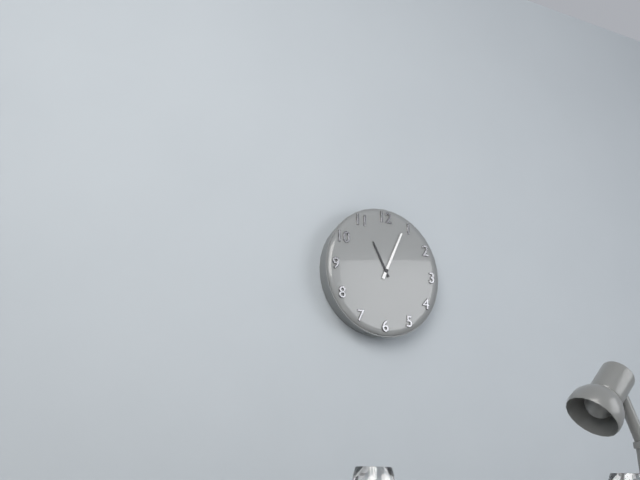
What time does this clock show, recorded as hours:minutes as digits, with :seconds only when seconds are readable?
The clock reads 11:04
